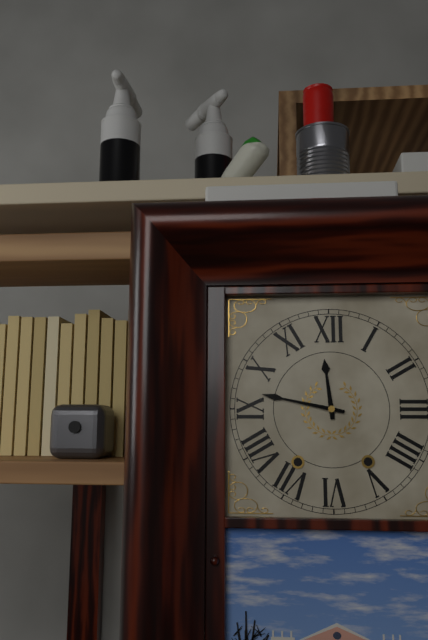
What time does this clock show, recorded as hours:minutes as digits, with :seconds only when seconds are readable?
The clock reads 11:47
